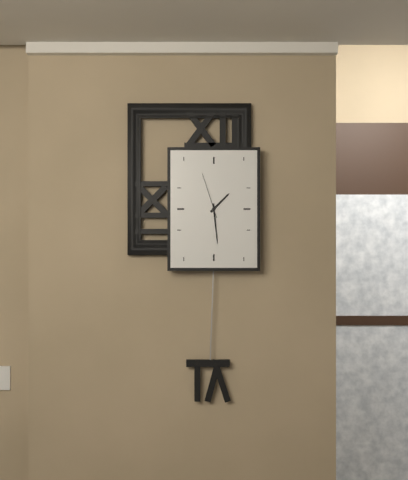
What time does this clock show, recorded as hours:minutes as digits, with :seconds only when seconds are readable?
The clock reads 1:29
